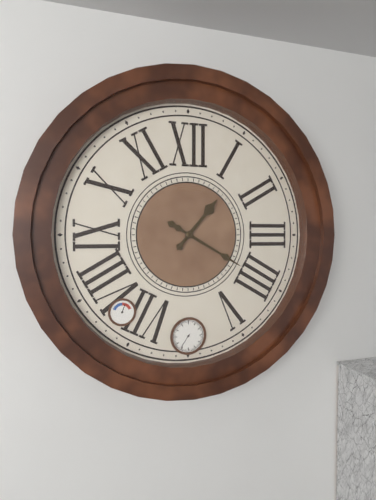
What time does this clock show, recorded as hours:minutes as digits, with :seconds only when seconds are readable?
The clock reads 1:20
